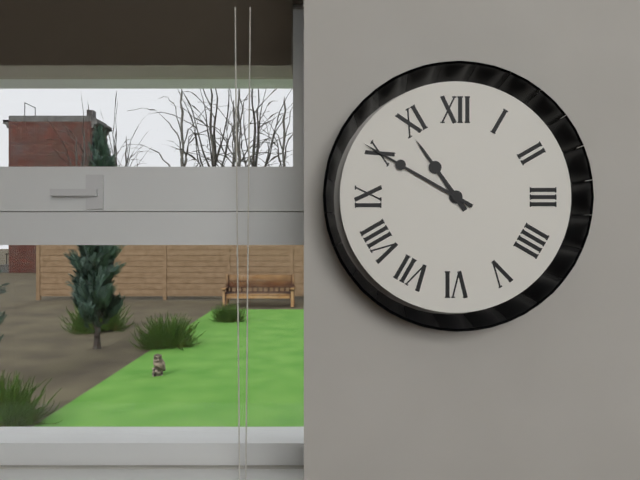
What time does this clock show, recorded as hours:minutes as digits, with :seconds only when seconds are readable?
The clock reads 10:50
